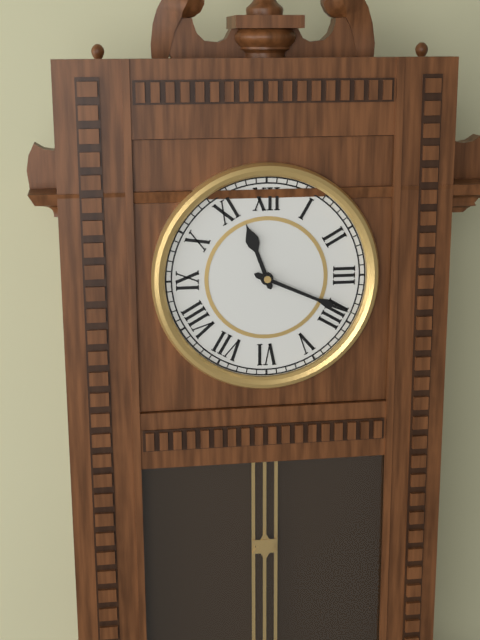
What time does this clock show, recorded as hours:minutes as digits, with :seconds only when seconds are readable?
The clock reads 11:19
